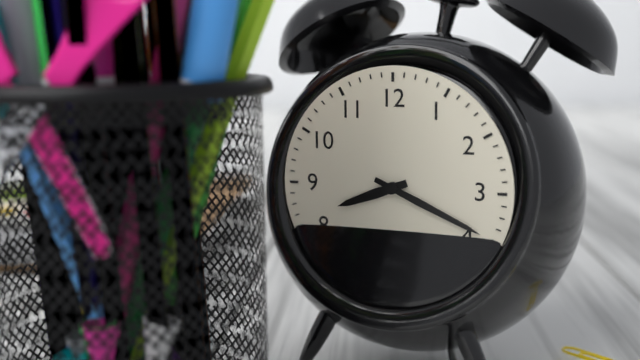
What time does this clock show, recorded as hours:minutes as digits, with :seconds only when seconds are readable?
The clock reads 8:19
